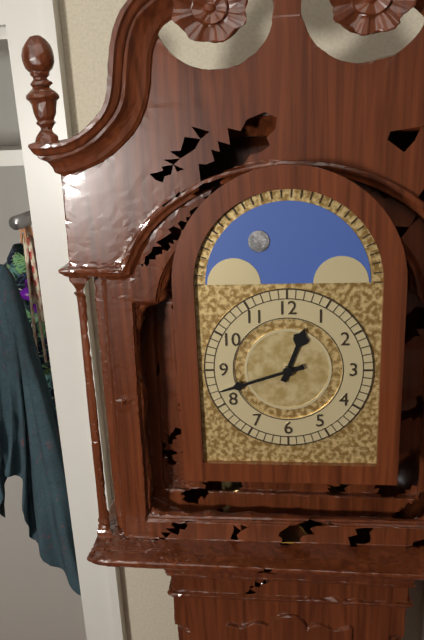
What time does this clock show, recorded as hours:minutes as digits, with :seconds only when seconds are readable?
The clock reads 12:42
